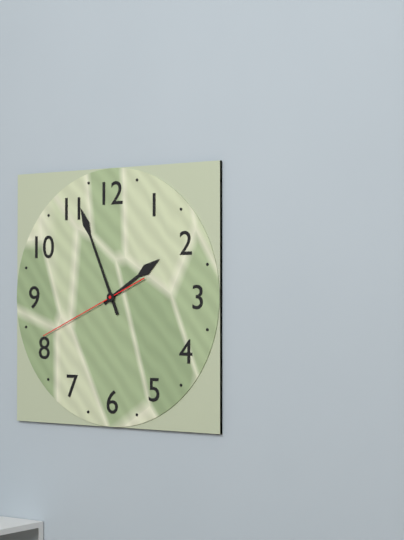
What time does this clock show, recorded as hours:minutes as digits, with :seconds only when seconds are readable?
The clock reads 1:56:41
